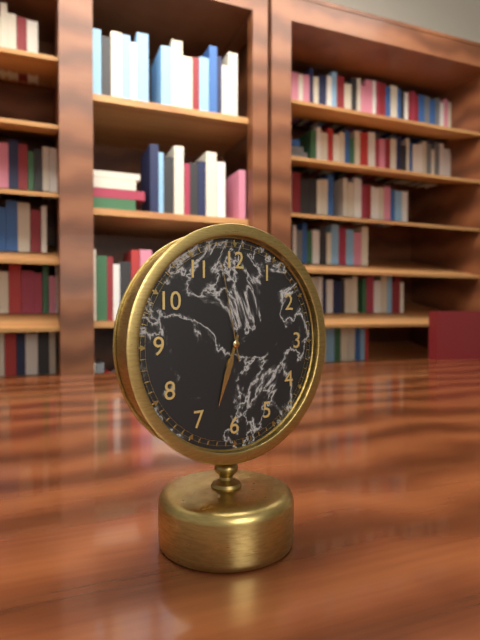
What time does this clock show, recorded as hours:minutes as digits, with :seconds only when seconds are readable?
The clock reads 6:33:58
